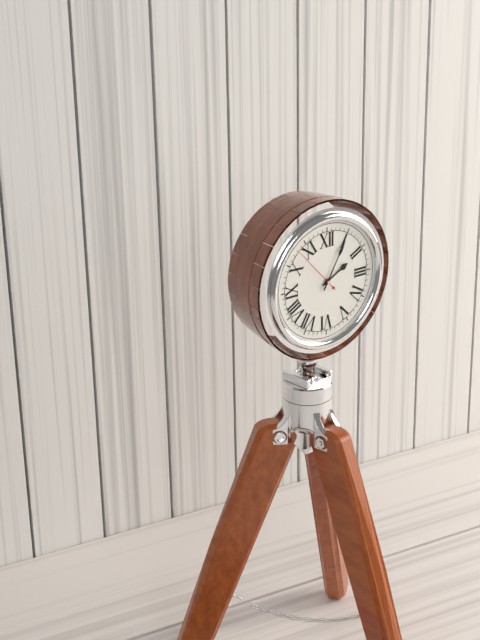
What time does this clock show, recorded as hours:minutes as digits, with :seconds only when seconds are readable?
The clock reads 2:05
